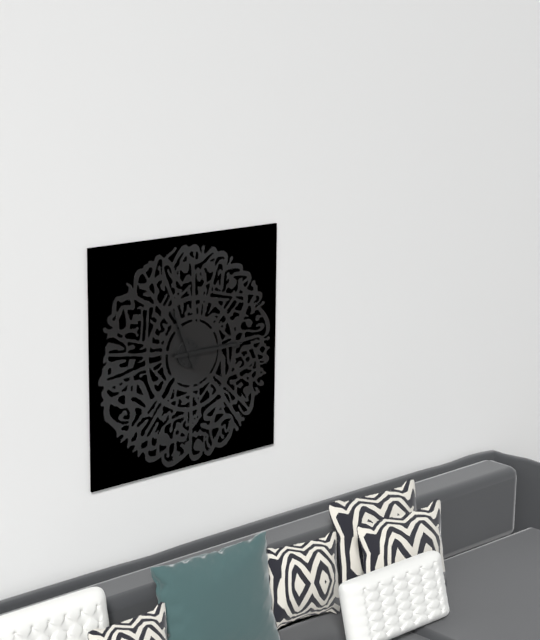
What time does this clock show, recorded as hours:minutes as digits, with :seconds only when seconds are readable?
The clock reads 11:15
